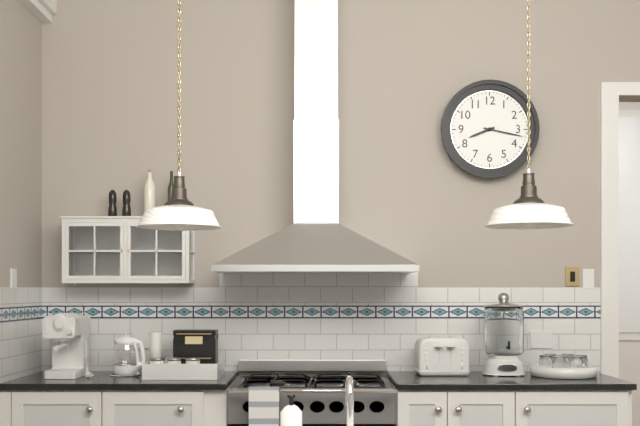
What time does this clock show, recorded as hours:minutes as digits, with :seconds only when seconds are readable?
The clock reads 8:17
